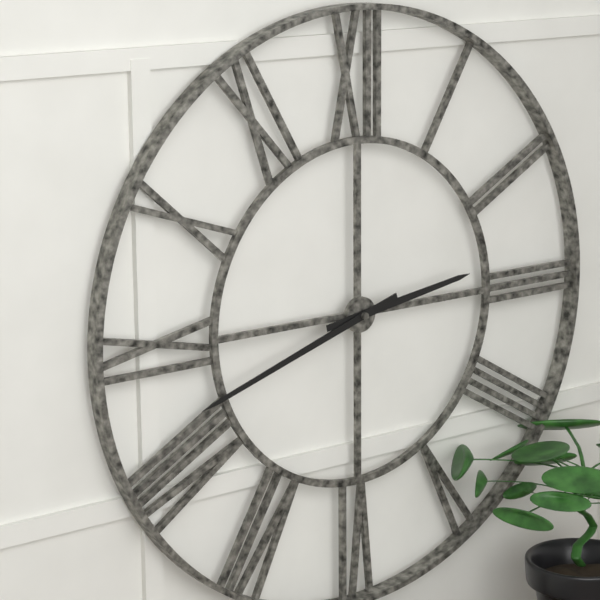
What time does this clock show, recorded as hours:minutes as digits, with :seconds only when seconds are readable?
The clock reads 2:42
